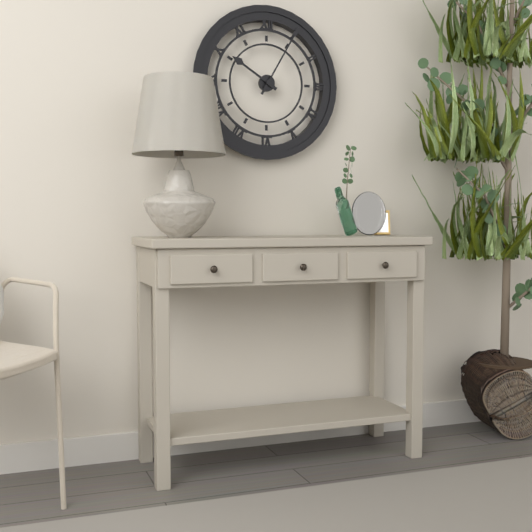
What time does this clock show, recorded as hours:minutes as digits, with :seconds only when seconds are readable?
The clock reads 10:05
